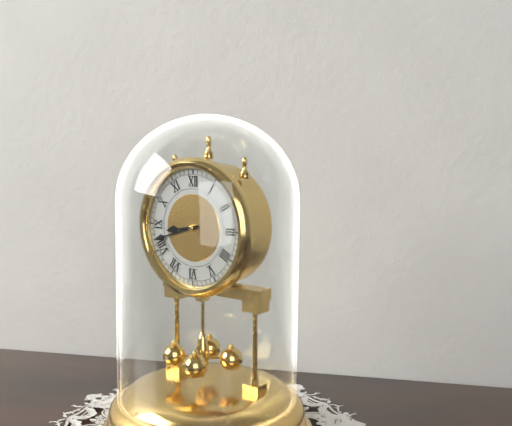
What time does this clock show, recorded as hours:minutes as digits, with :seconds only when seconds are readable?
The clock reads 8:42
